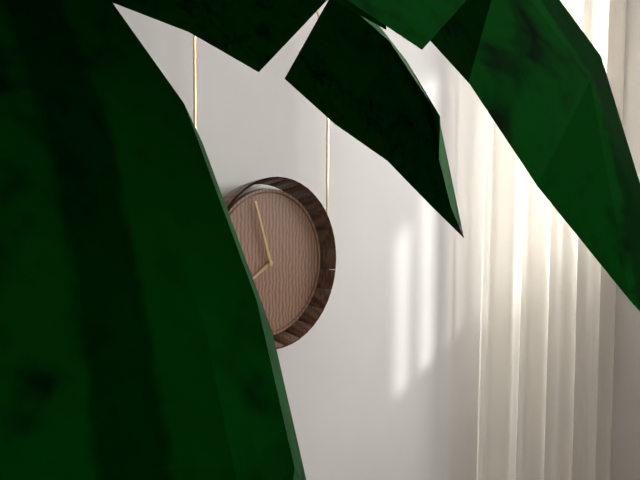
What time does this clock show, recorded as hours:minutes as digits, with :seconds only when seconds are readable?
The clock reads 7:57
